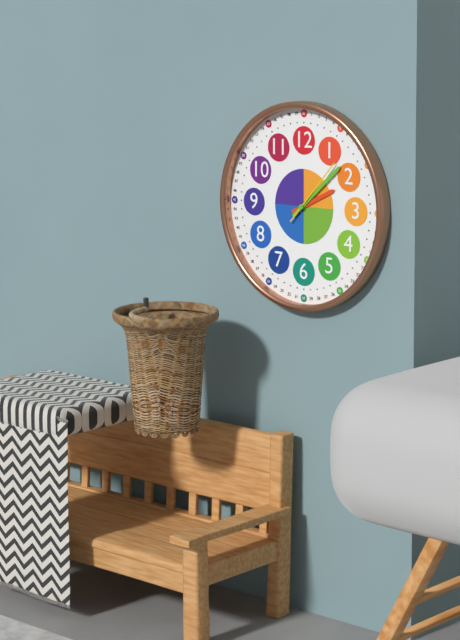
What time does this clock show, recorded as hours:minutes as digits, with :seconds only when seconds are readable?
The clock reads 2:08:07
